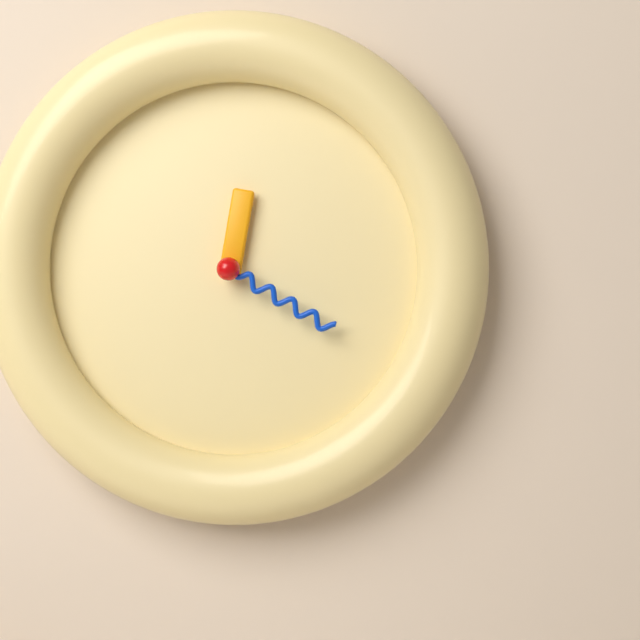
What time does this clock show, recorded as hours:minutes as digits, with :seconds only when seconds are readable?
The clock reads 12:20
